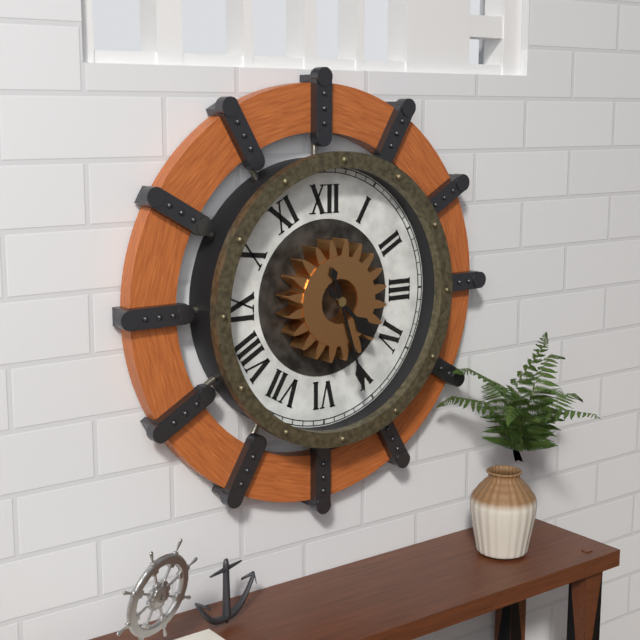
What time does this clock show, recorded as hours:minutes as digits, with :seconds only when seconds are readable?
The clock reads 4:27
